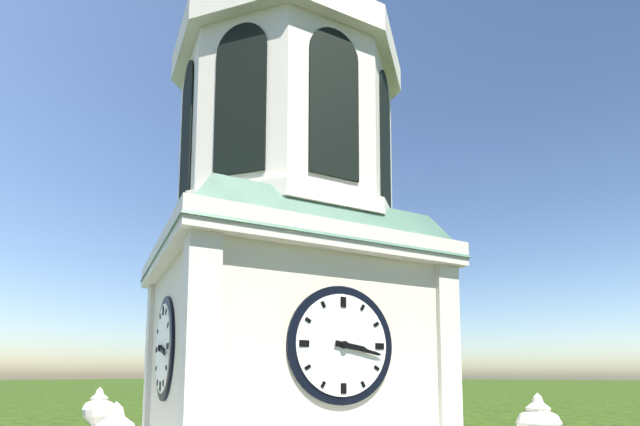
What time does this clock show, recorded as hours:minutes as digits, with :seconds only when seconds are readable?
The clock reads 3:17
